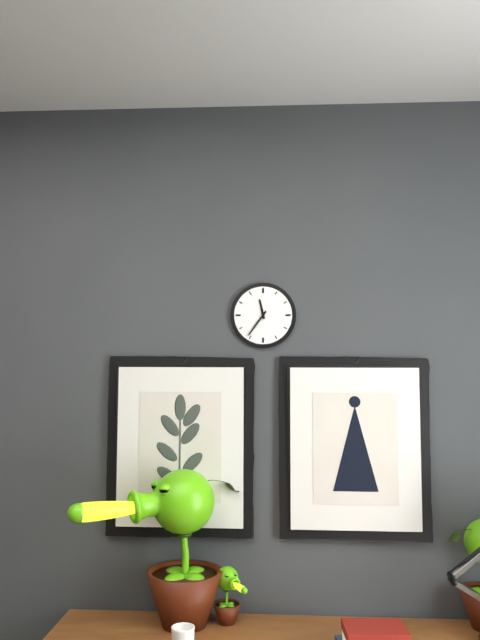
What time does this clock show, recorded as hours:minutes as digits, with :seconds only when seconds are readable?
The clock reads 11:36
